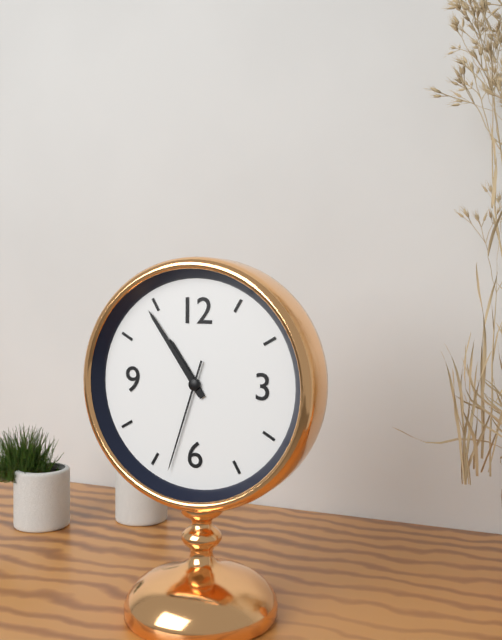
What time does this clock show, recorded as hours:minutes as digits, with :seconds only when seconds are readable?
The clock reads 10:54:33
